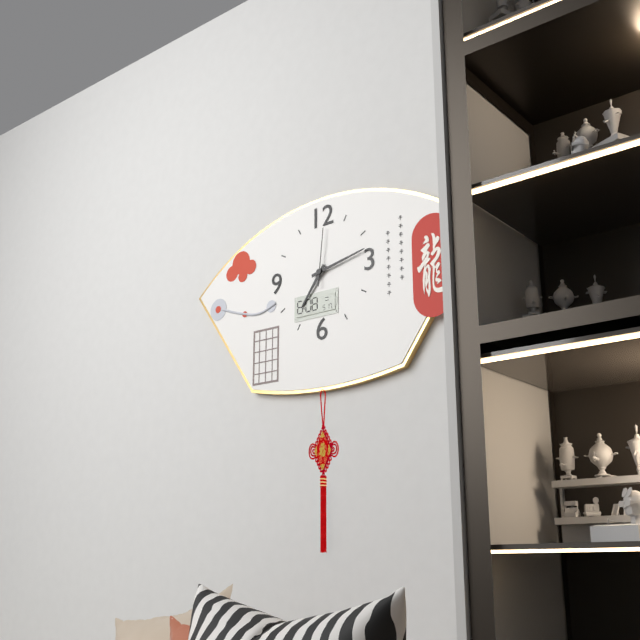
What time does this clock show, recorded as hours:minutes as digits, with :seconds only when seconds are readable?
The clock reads 7:13:01
